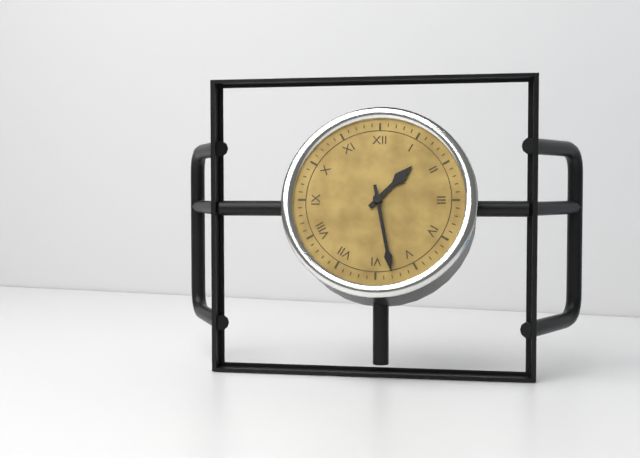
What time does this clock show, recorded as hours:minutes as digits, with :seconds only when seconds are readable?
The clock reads 1:28
